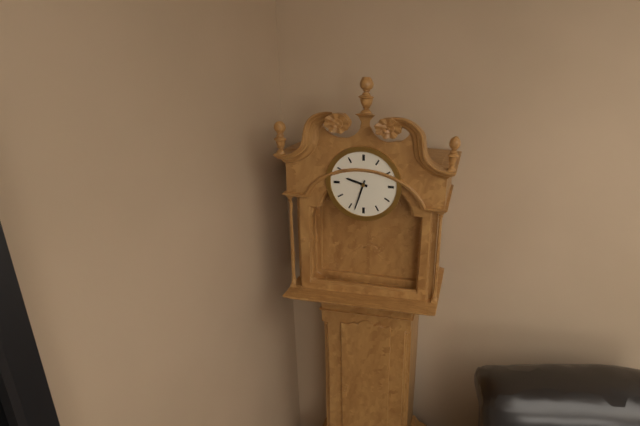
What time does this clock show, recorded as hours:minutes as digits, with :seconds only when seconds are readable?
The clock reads 9:33
